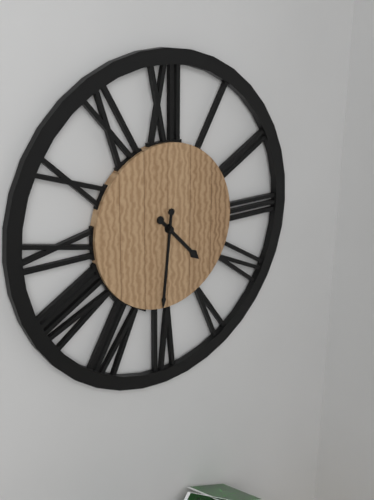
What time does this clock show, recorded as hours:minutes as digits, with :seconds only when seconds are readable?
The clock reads 4:31
